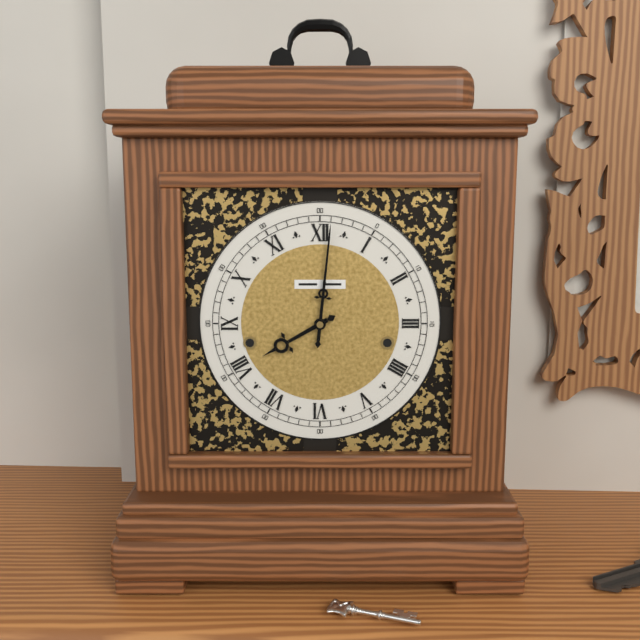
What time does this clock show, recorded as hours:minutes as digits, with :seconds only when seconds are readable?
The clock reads 8:01
